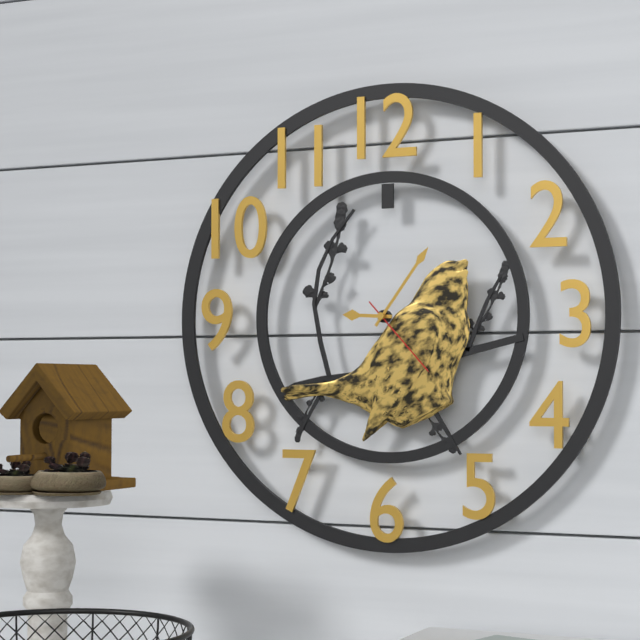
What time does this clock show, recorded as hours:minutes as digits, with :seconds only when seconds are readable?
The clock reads 9:06:23
